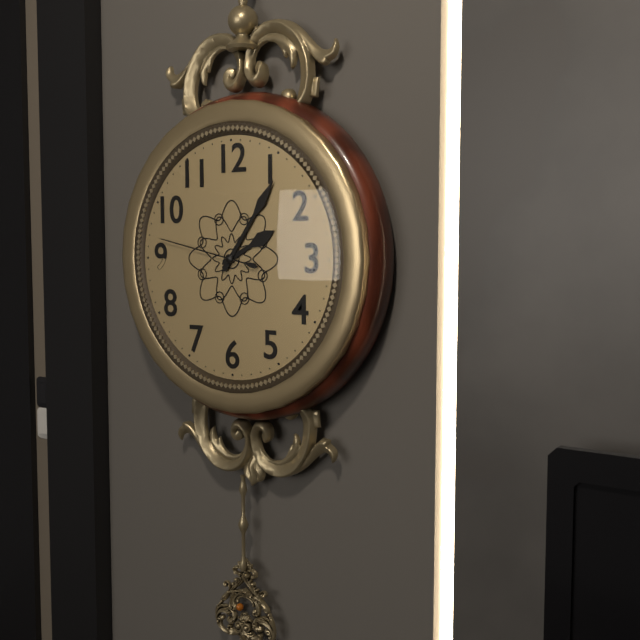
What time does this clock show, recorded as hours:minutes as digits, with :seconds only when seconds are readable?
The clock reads 2:06:47
